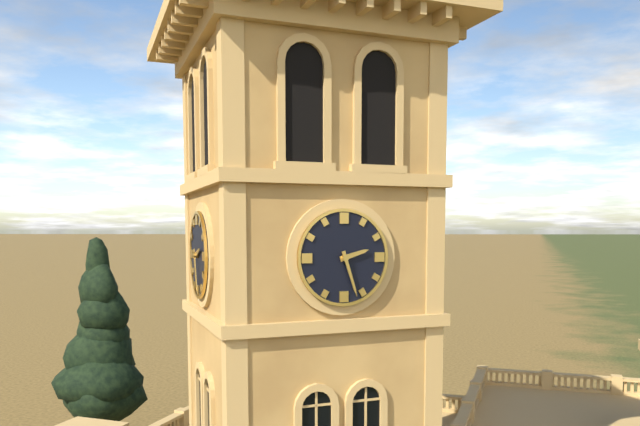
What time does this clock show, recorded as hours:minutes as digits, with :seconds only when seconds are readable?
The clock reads 2:27
